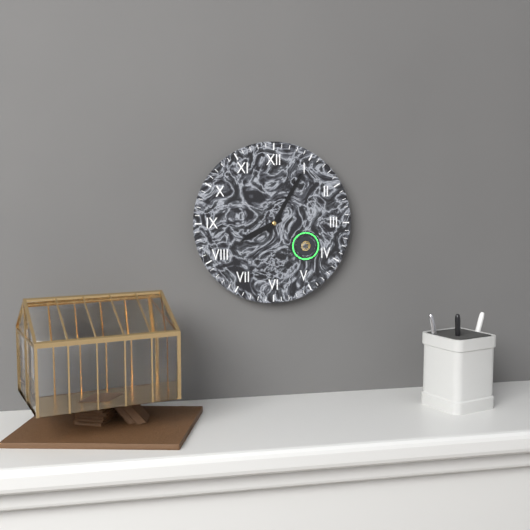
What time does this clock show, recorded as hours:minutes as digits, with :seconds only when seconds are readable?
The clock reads 8:05
